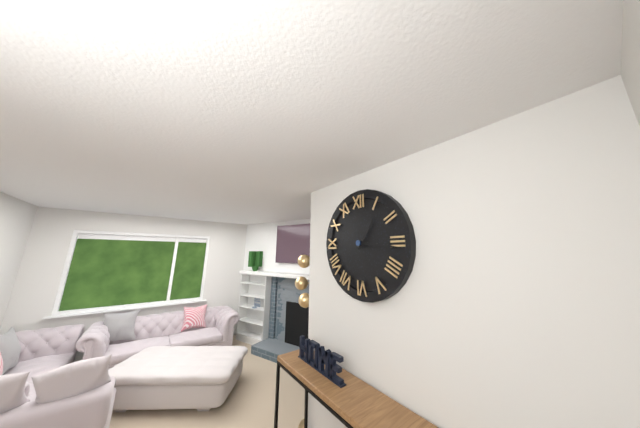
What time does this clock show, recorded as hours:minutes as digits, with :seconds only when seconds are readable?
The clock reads 1:16
